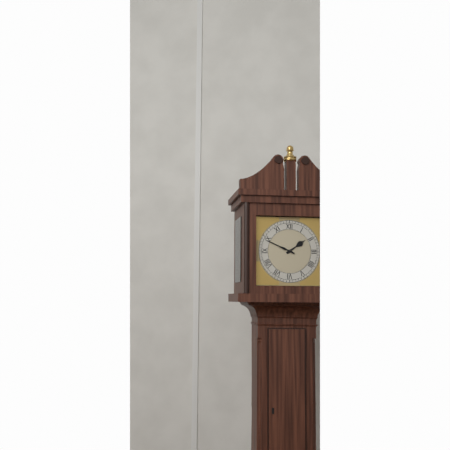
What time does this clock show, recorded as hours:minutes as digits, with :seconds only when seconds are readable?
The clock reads 1:49
